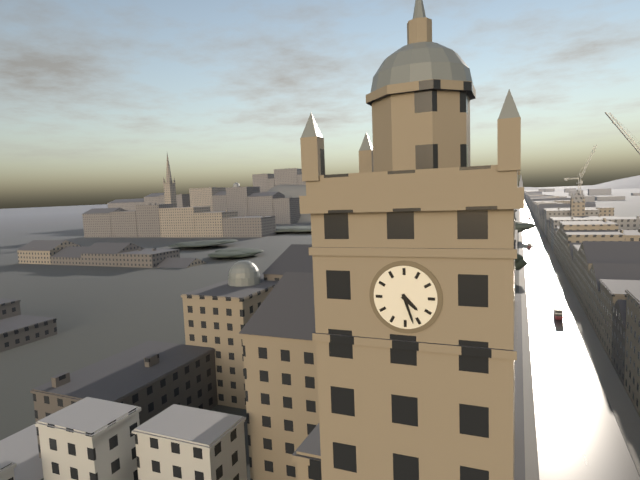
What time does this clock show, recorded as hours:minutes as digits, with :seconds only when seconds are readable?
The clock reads 4:27
